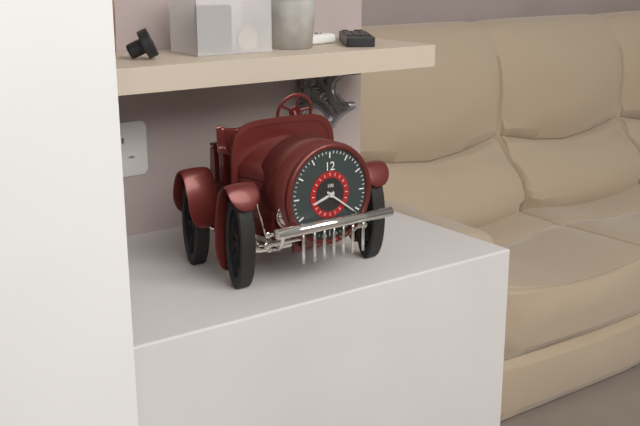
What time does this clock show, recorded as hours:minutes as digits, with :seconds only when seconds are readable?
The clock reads 8:21
